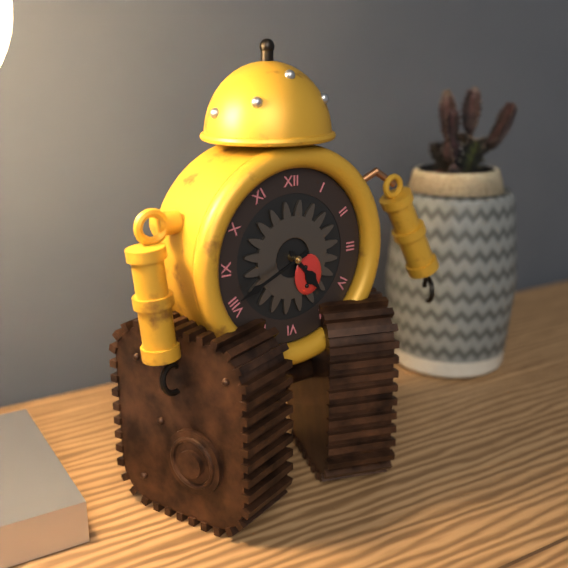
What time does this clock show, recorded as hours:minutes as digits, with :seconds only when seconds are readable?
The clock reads 4:41
